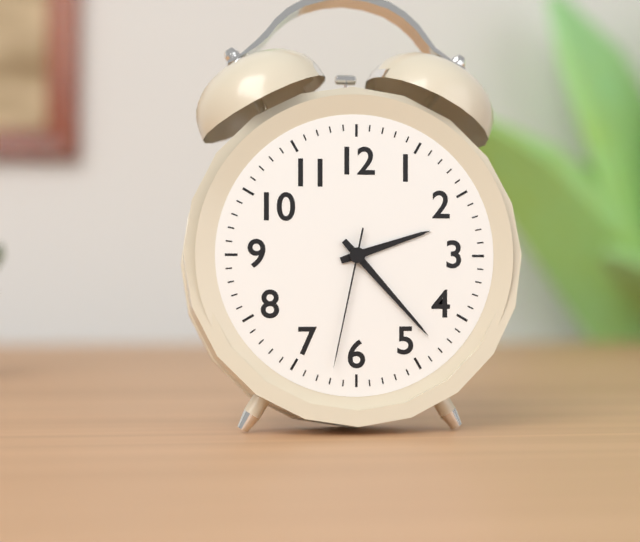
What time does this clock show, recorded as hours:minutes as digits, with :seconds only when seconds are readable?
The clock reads 2:23:32
